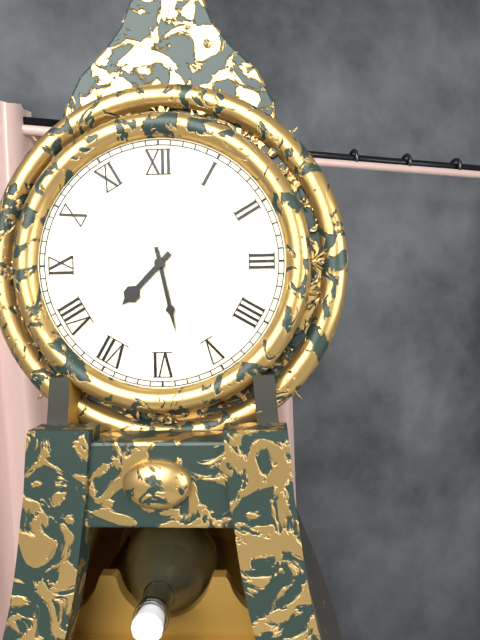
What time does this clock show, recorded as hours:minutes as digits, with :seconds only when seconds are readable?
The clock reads 7:28
